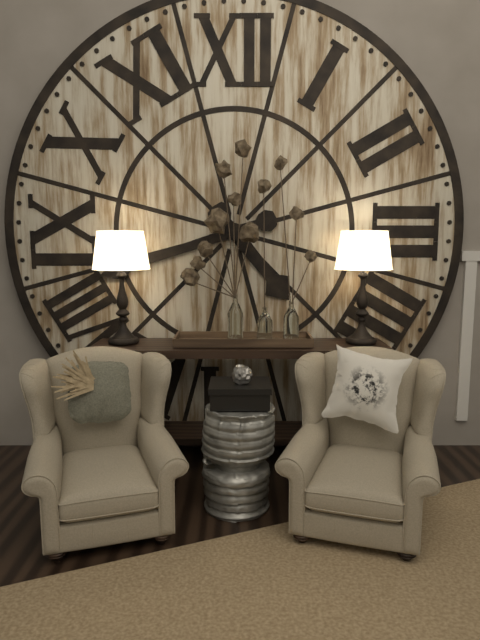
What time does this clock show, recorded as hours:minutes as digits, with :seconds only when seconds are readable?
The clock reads 4:42
